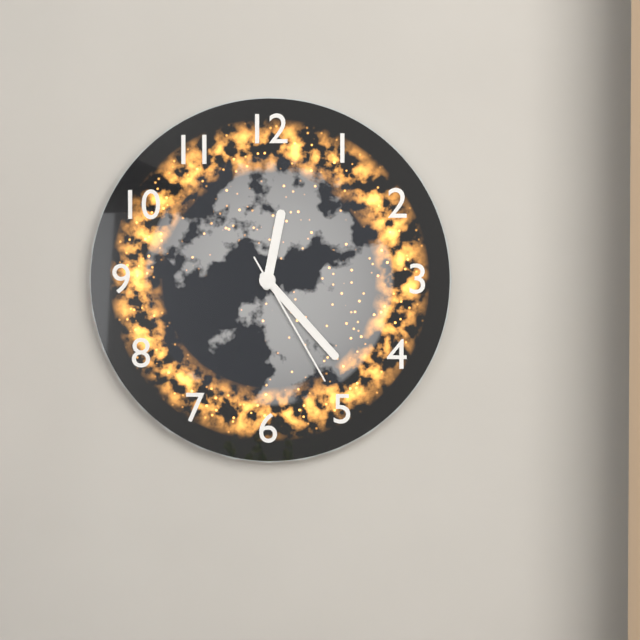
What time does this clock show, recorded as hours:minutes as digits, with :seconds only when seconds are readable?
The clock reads 12:23:25
